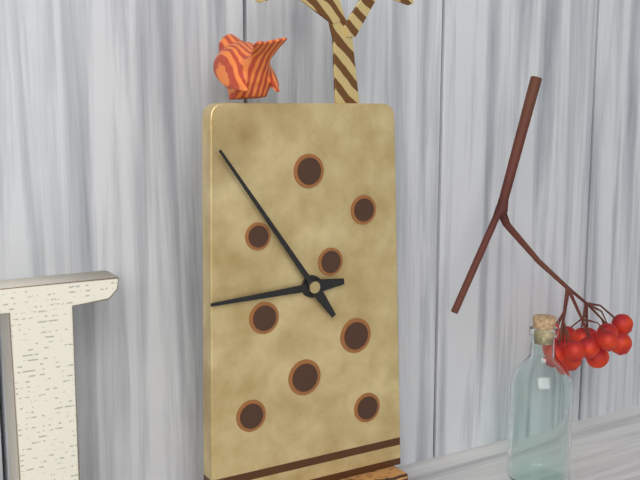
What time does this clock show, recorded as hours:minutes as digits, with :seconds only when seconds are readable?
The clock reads 8:54
